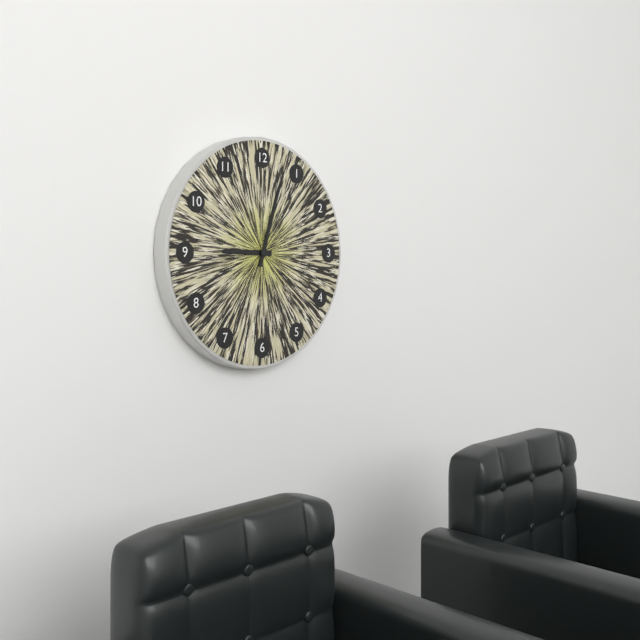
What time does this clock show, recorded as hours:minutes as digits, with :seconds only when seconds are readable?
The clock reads 9:03
